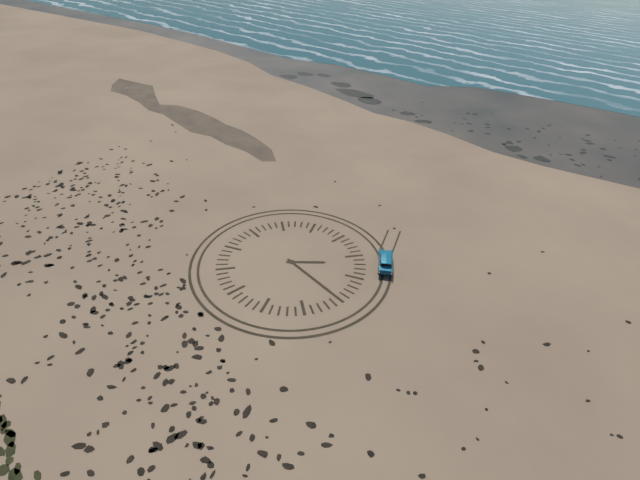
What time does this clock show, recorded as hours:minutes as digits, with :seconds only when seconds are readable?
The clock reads 2:20
